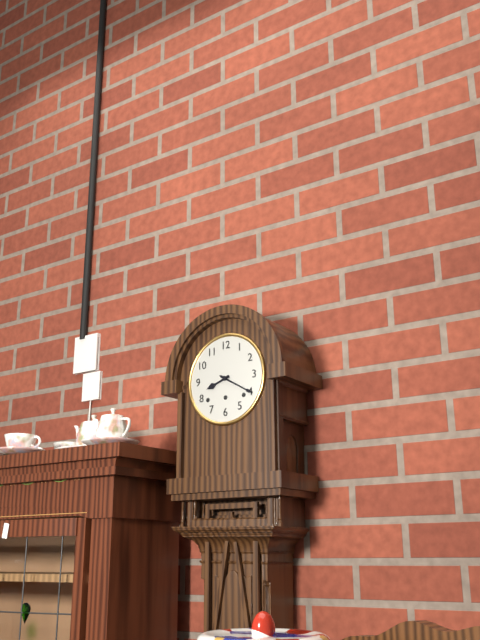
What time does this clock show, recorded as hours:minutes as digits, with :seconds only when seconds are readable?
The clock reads 8:20
